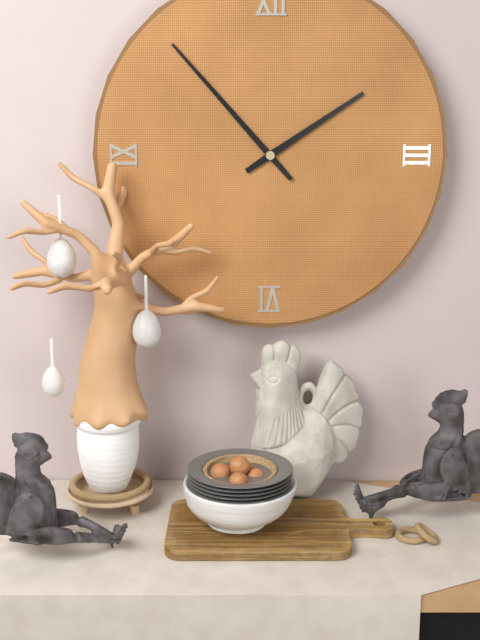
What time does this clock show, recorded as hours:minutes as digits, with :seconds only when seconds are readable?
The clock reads 1:53
